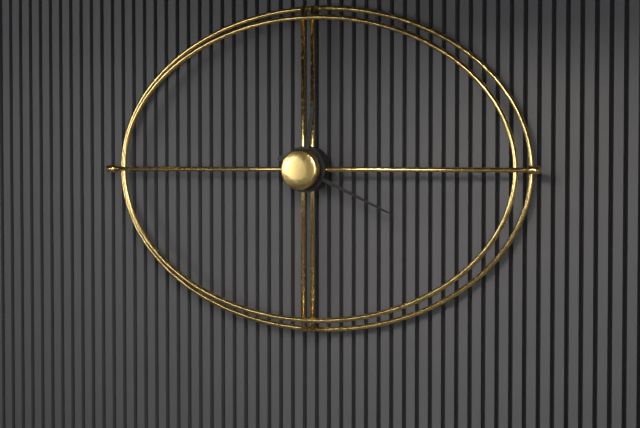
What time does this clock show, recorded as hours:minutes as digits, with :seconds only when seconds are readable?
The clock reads 12:19
